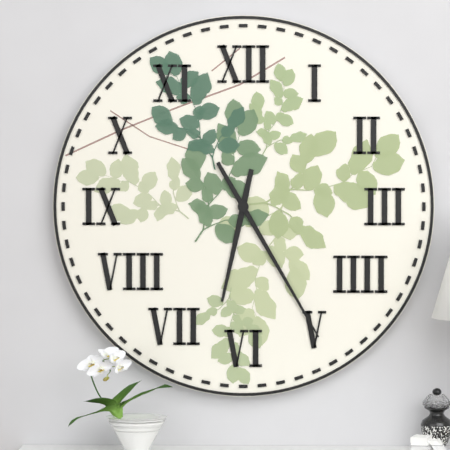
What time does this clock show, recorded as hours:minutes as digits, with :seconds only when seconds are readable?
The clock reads 6:25
